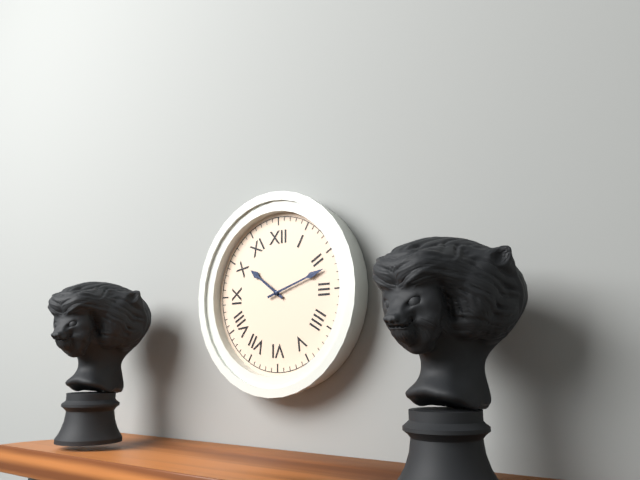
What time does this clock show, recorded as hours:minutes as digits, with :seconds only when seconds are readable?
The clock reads 10:12
